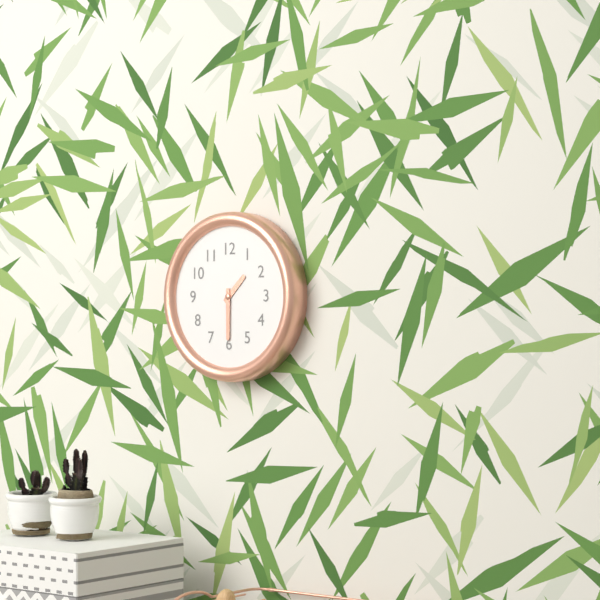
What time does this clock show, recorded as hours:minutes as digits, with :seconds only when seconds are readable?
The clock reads 1:30
